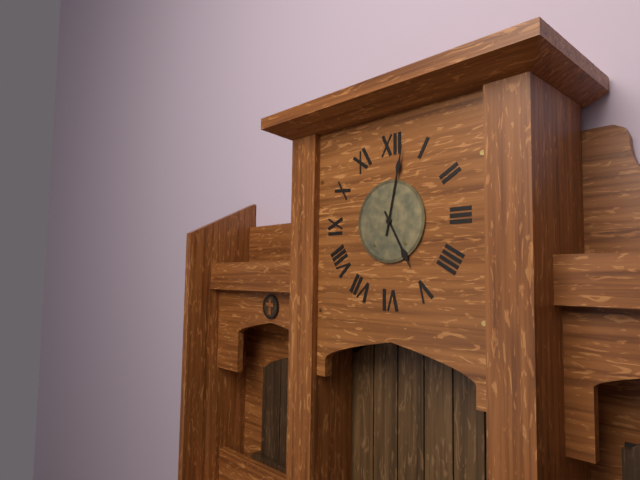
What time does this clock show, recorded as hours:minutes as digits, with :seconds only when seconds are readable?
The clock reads 5:02
